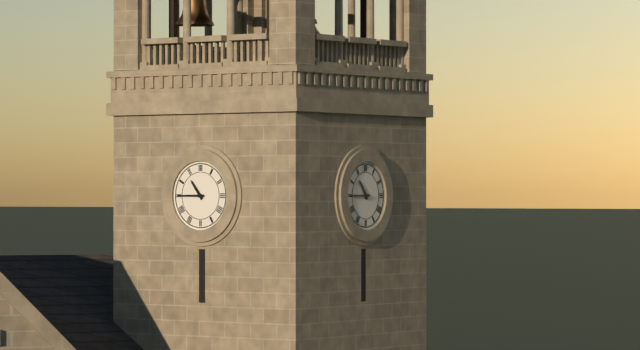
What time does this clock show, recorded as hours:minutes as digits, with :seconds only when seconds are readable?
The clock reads 10:45
